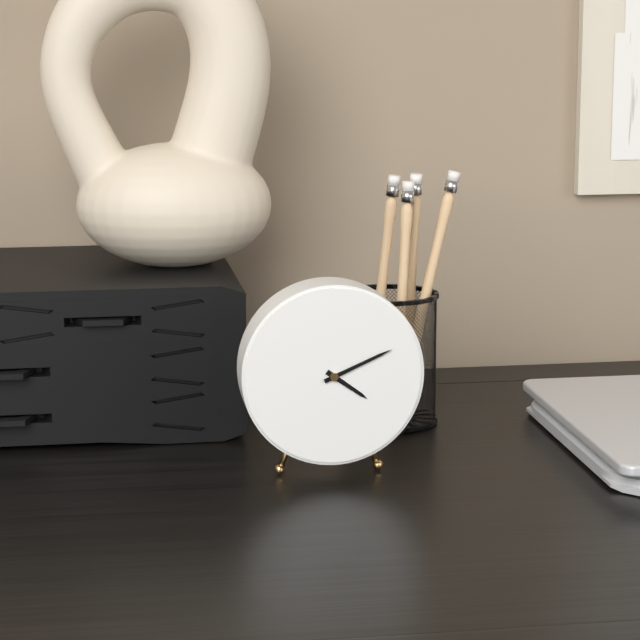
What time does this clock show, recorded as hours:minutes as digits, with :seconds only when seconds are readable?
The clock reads 4:11
